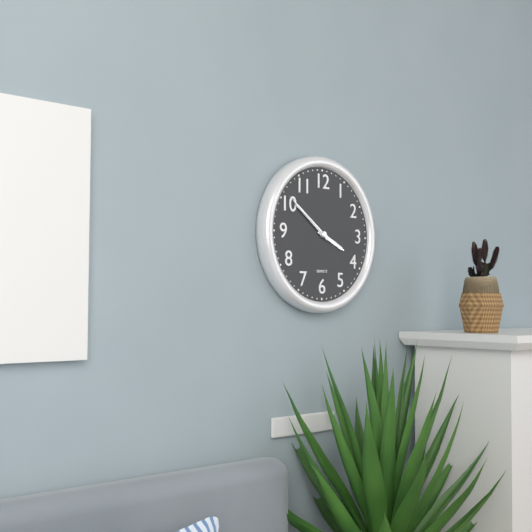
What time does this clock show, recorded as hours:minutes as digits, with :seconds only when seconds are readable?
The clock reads 3:51:51
